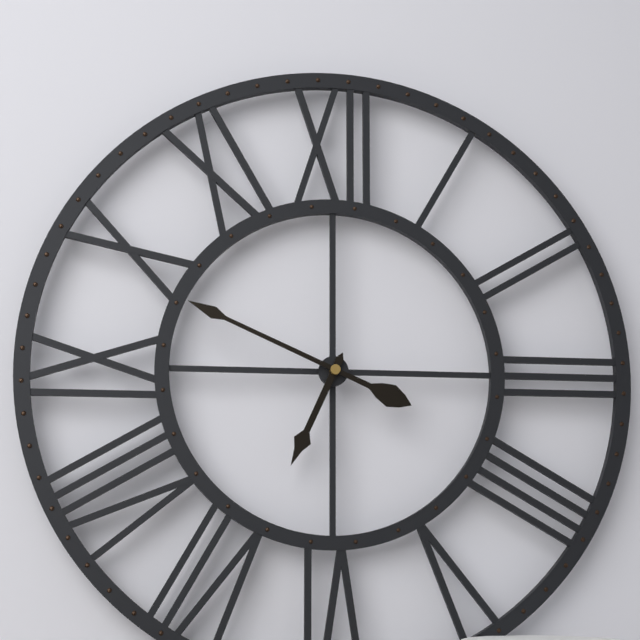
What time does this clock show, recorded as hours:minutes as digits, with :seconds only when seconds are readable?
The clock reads 6:49
